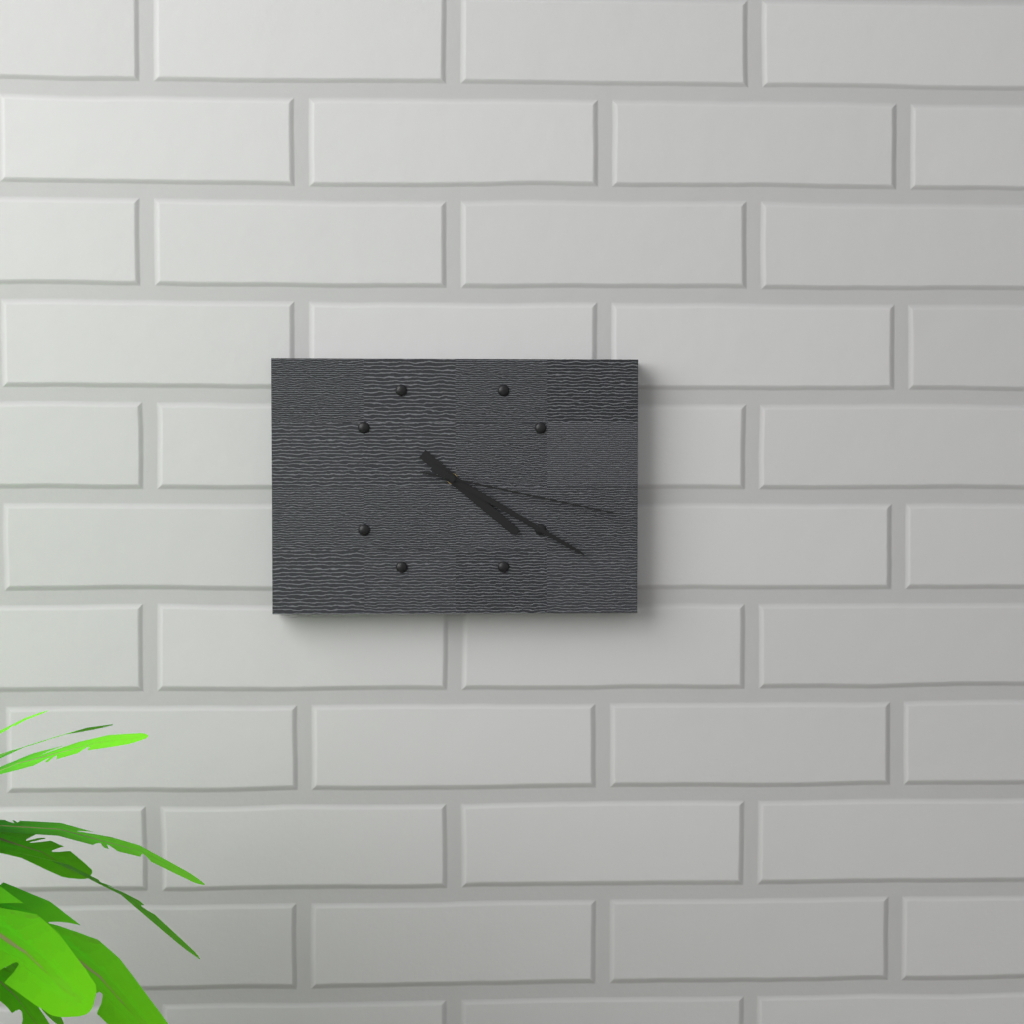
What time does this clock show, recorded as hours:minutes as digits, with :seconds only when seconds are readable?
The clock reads 4:20:17
